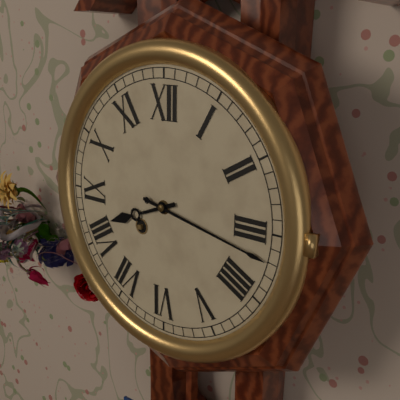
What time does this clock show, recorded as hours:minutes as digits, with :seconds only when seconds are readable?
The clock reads 8:17
